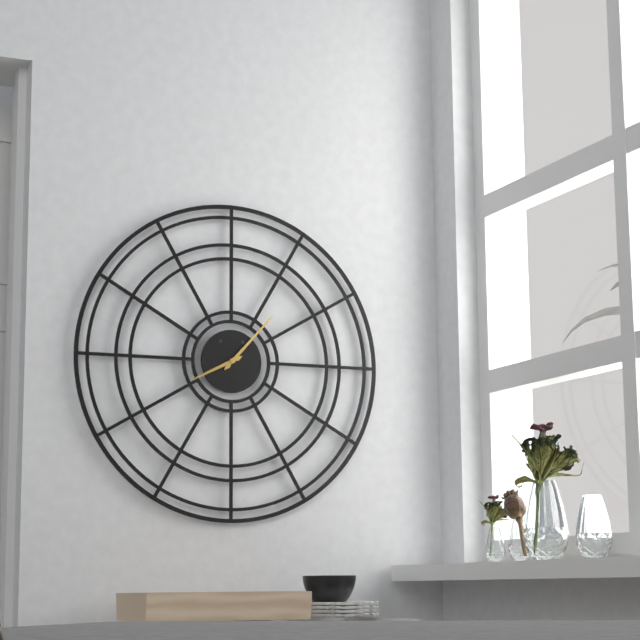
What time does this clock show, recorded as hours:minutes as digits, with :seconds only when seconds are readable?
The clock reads 8:07
